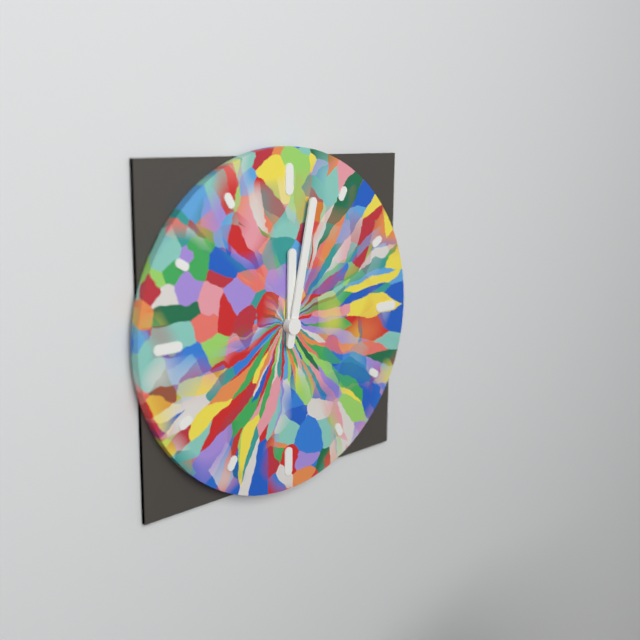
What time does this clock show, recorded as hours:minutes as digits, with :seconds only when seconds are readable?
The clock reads 12:02
